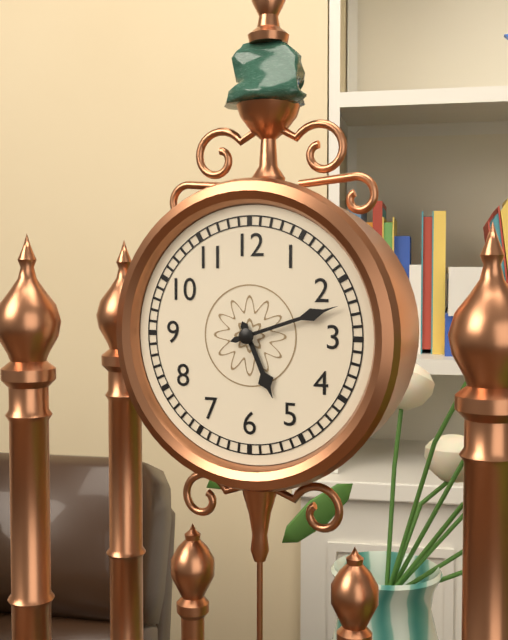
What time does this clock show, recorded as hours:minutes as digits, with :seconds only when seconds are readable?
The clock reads 5:12
